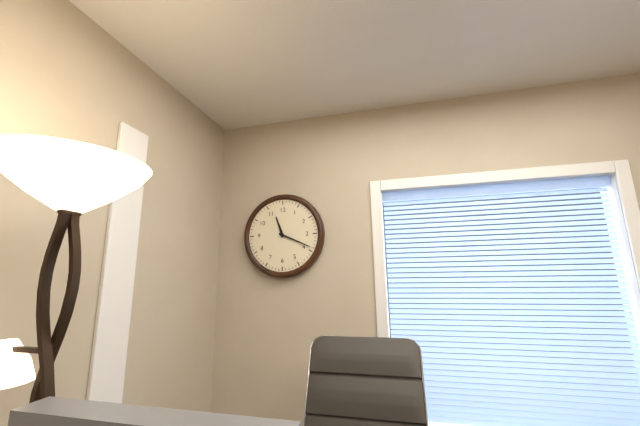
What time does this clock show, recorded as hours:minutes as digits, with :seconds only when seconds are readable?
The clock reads 11:19
